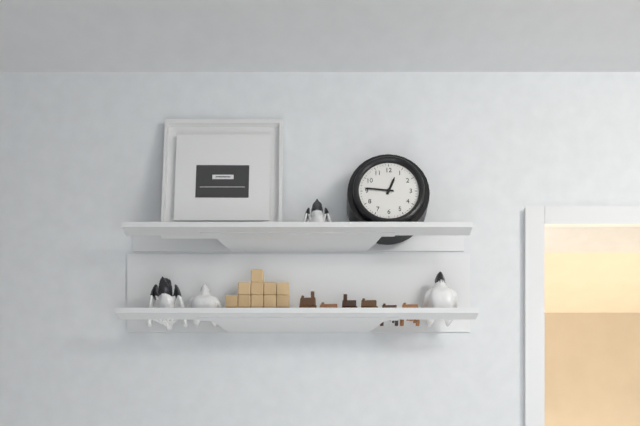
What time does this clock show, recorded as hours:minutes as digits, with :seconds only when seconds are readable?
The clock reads 12:46
